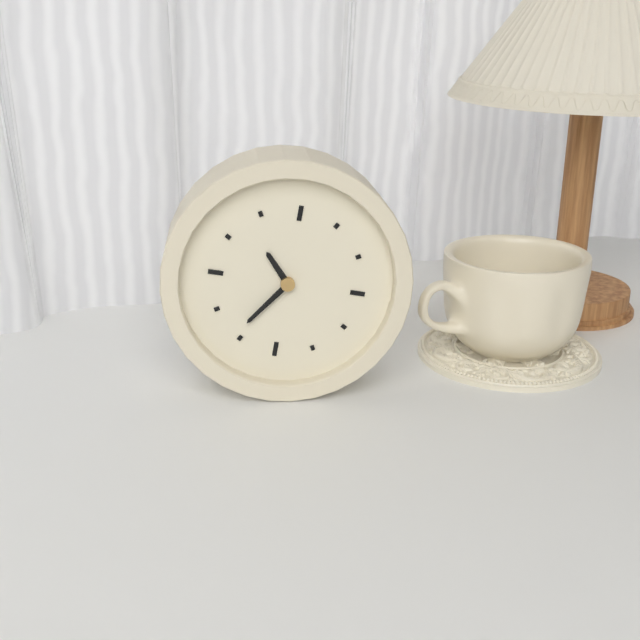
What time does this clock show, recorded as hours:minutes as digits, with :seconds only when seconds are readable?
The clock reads 10:36
